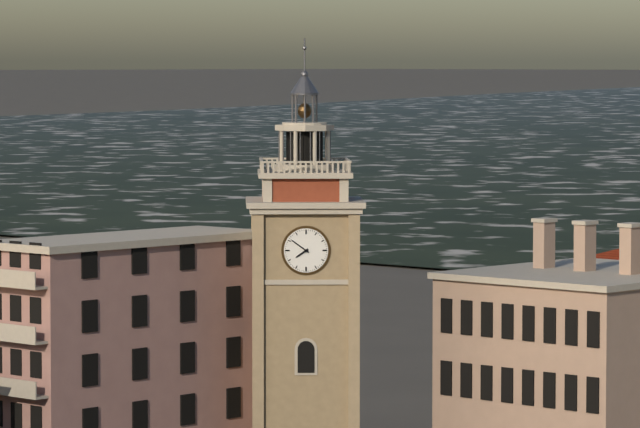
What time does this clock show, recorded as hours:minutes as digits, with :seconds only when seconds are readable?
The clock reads 7:51
